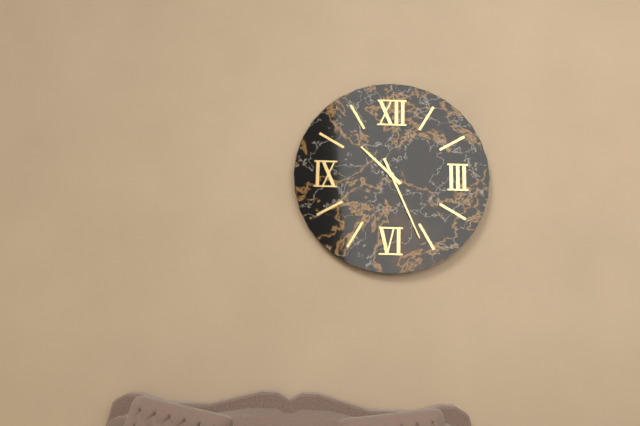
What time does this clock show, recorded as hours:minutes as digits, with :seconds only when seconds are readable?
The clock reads 10:26
